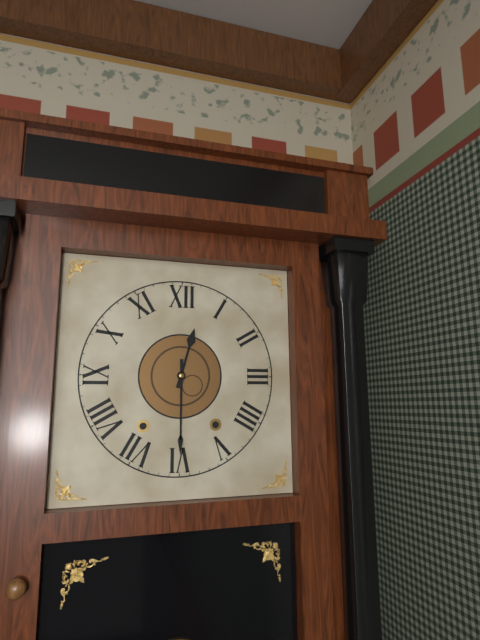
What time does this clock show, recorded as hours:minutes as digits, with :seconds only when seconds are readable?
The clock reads 12:30
